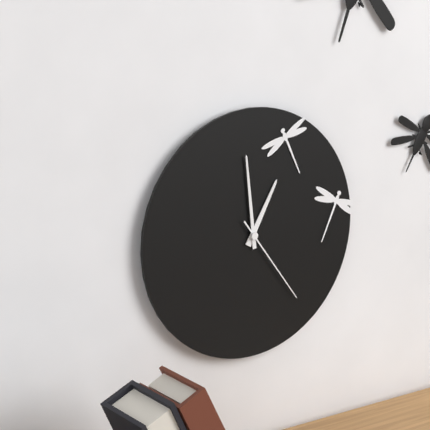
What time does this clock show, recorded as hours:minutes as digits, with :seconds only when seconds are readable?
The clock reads 12:59:24
